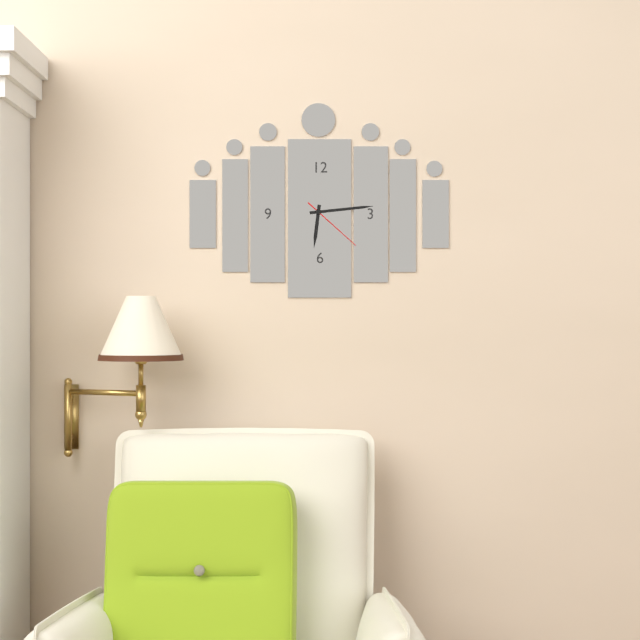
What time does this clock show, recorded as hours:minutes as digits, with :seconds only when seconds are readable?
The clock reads 6:14:22
